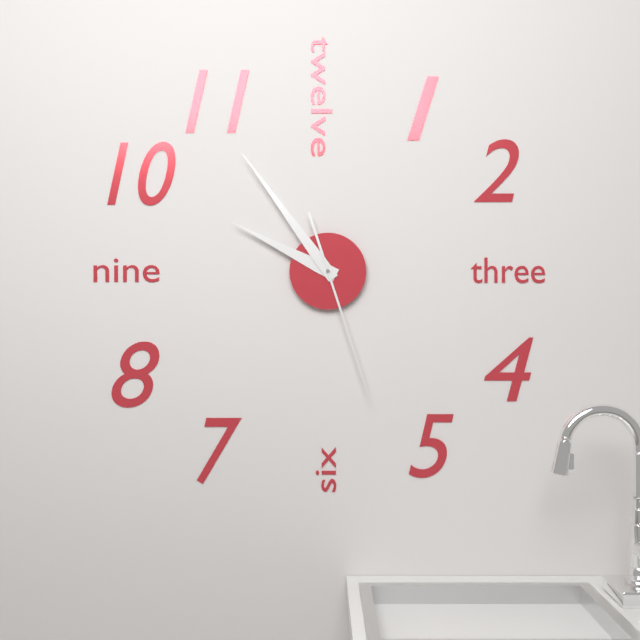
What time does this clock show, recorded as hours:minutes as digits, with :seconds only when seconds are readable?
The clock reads 9:54:27
